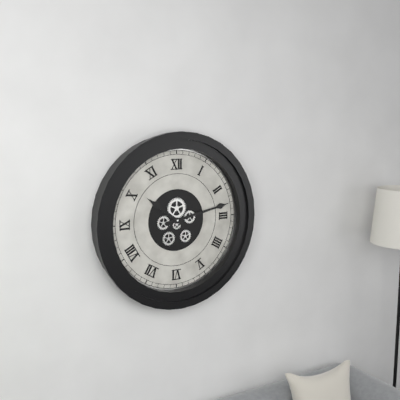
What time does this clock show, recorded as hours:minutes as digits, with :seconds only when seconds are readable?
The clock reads 10:13
